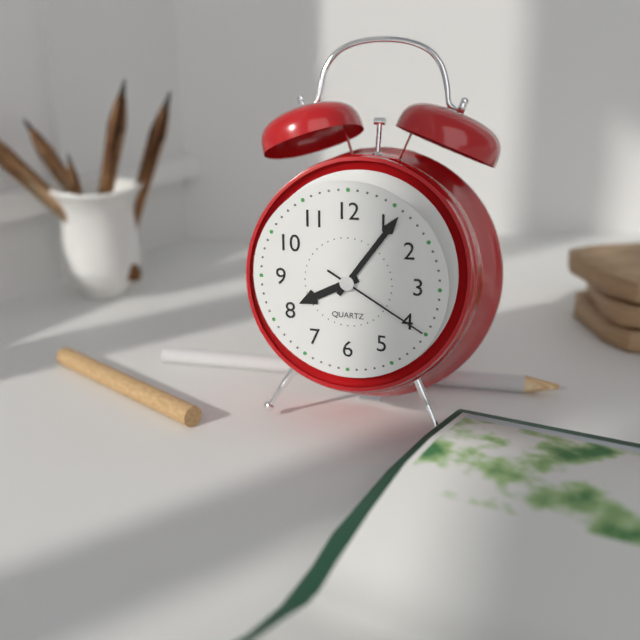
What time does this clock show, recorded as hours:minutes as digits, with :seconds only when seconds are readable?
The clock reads 8:06:20
